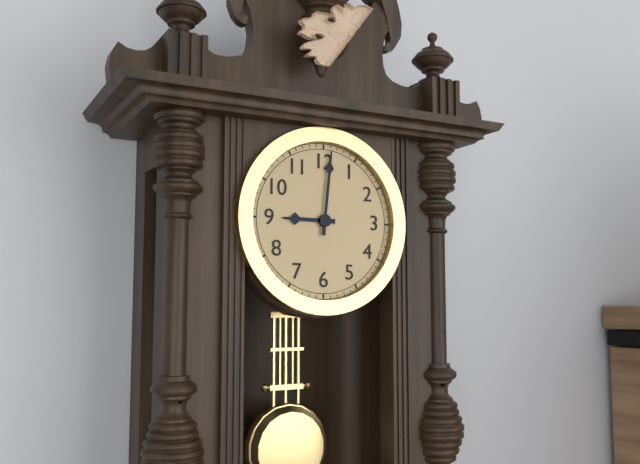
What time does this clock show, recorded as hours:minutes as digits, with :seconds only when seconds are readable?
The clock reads 9:01
